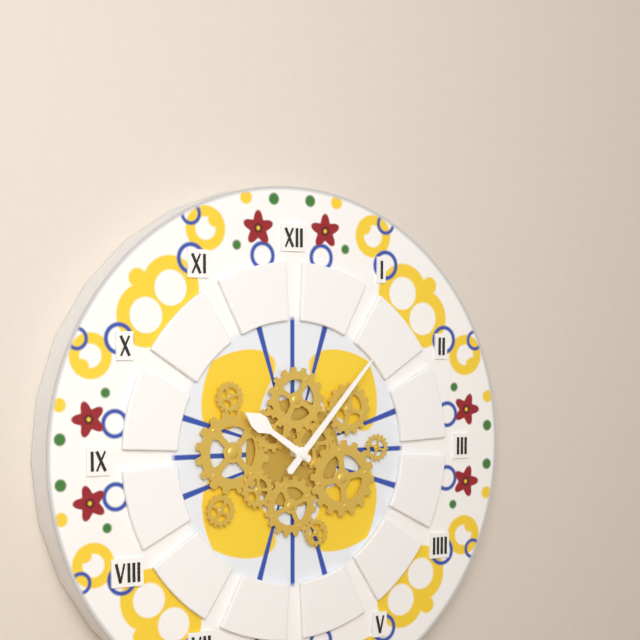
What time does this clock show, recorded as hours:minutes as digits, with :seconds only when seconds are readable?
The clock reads 10:07
